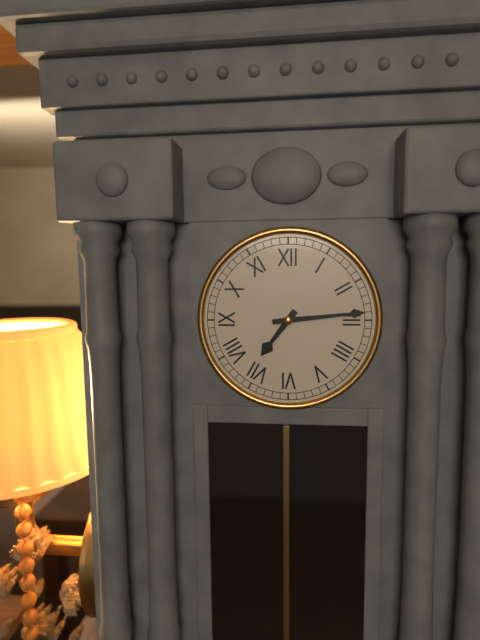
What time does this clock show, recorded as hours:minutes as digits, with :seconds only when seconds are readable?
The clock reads 7:14
